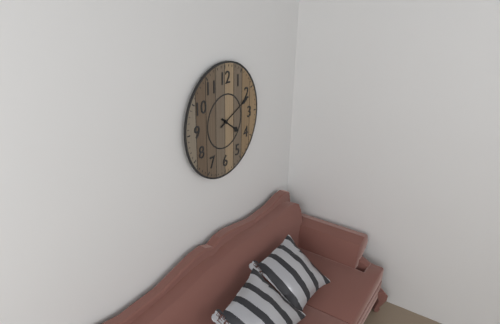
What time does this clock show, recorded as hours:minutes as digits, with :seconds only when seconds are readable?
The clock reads 4:11
